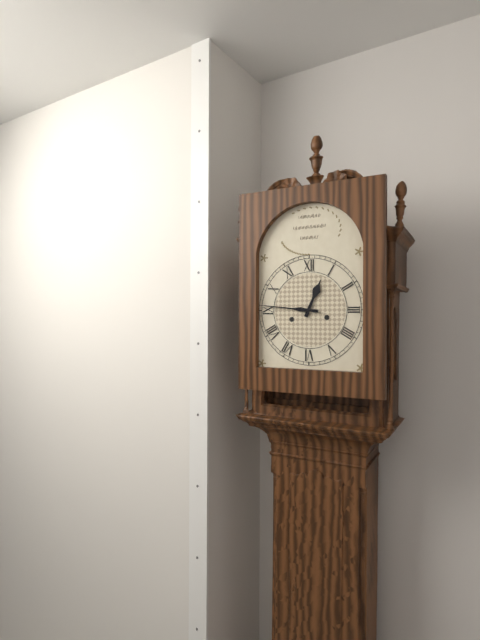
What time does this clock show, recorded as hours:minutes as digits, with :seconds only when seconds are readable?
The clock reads 12:46
